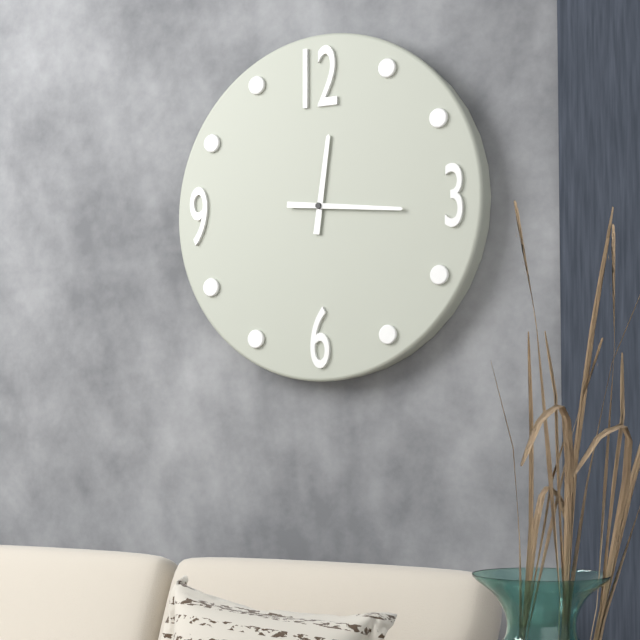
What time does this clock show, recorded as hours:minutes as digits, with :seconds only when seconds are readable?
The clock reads 12:16
